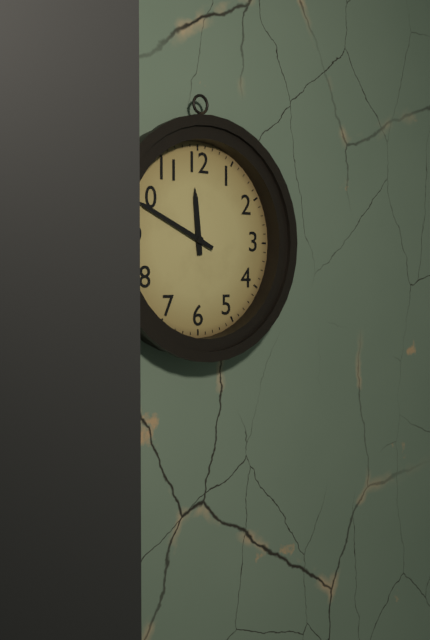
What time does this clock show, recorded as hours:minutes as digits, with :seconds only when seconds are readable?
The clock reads 11:49
